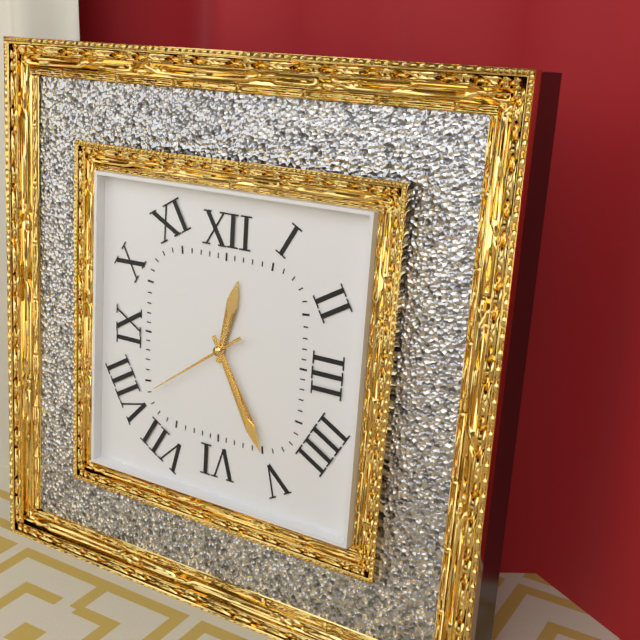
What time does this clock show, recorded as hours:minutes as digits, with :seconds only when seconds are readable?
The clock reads 12:25:39
